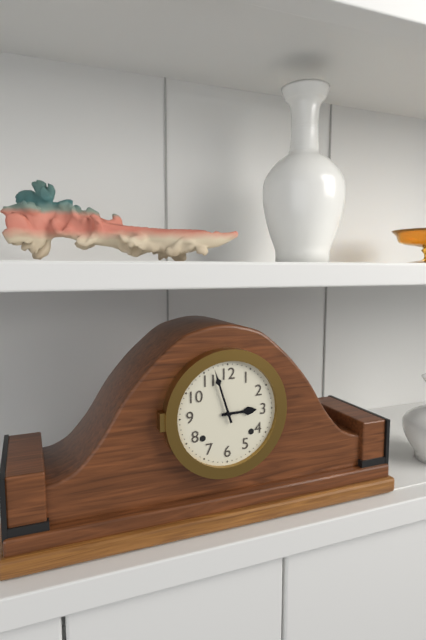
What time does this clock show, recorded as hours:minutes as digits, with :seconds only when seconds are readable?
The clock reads 2:57
